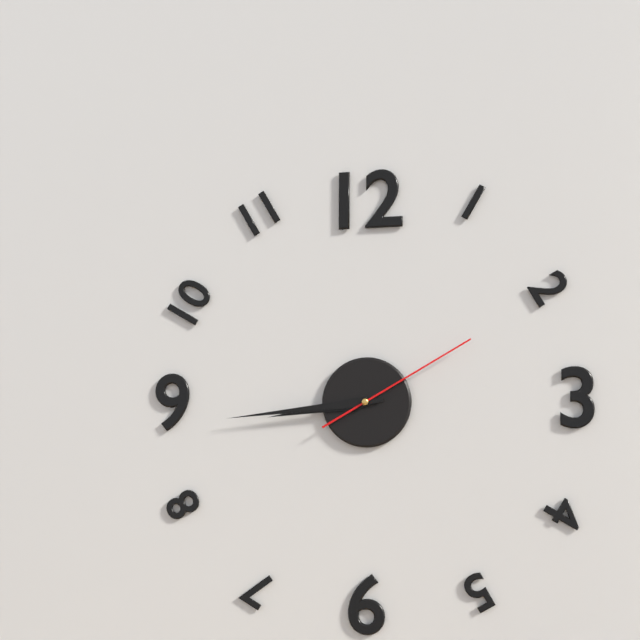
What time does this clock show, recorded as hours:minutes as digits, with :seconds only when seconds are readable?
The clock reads 8:44:10
